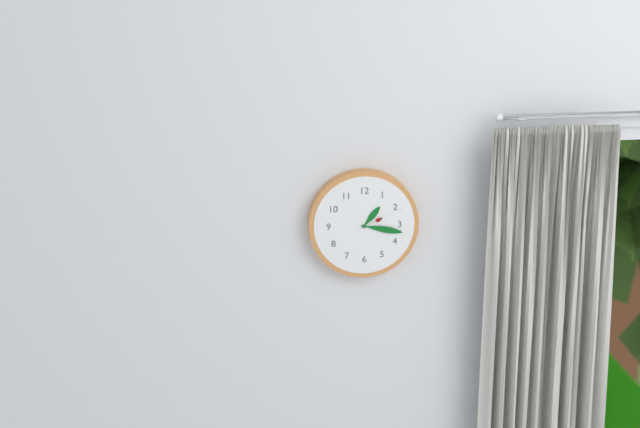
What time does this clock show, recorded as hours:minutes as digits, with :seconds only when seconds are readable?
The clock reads 1:17:11
